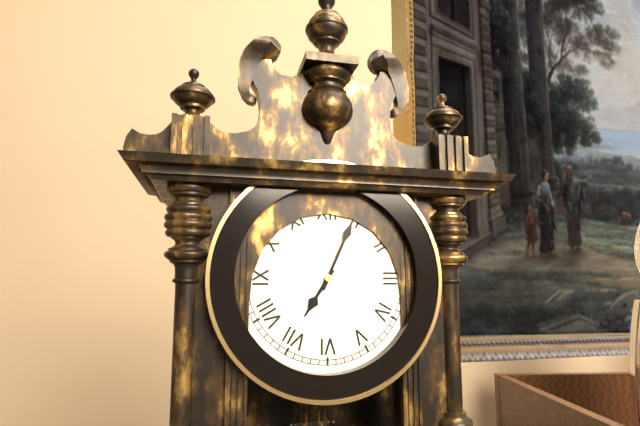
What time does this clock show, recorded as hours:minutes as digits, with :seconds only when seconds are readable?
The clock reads 7:04
